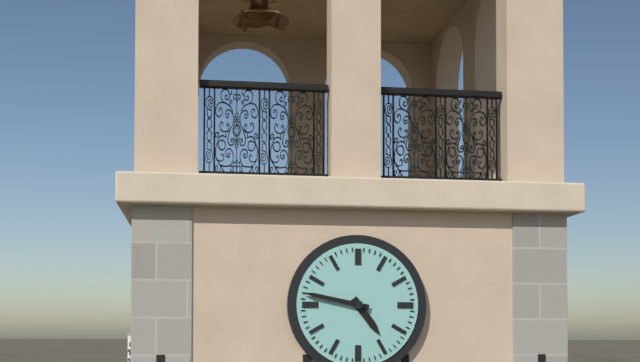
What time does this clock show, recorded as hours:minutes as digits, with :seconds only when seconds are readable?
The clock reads 4:47
